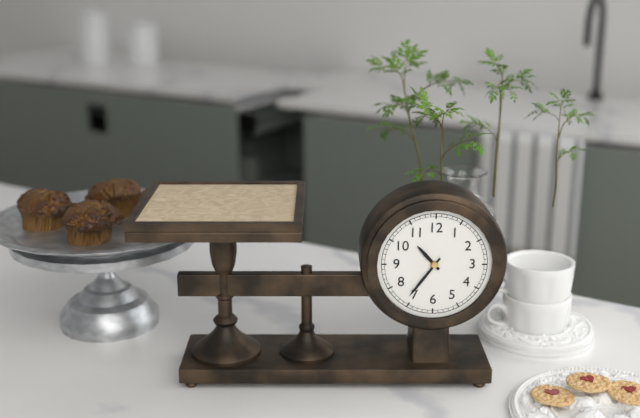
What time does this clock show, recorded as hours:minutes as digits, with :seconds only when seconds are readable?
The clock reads 10:36
